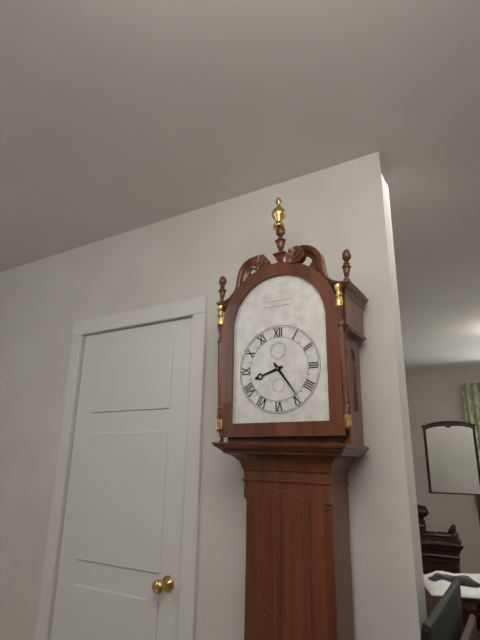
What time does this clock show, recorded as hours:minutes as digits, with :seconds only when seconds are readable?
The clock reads 8:24
